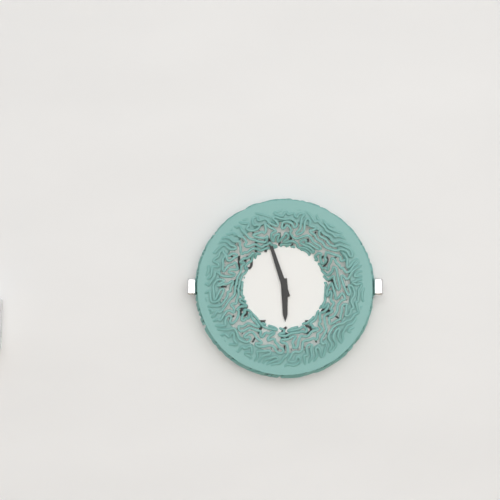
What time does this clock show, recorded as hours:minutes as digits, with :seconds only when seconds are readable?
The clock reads 5:57
